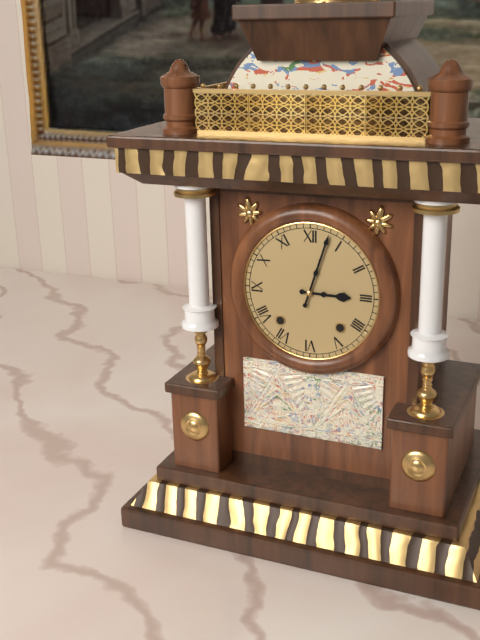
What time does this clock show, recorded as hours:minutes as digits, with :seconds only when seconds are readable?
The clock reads 3:03
